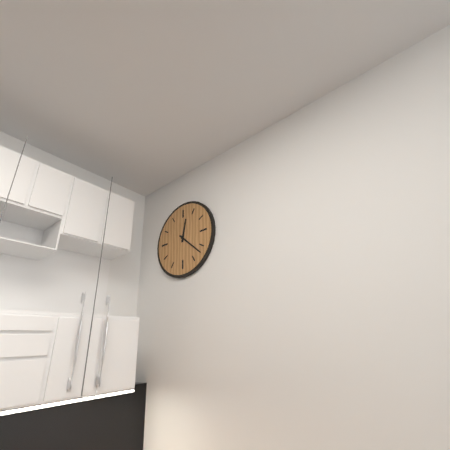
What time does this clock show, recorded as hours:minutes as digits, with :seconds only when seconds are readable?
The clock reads 12:22
